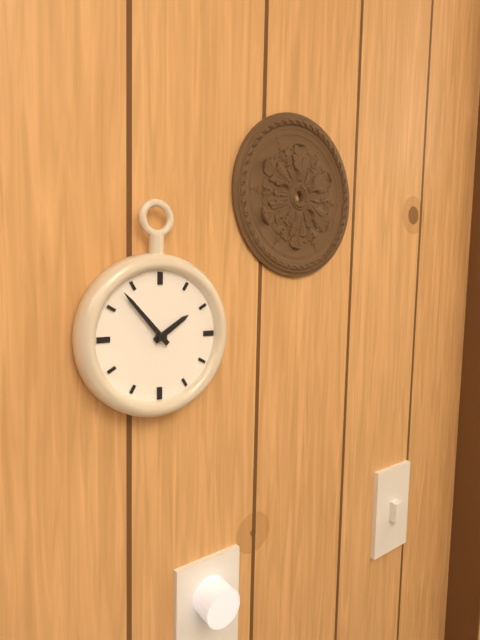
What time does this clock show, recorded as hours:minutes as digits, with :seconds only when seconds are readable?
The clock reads 1:53
